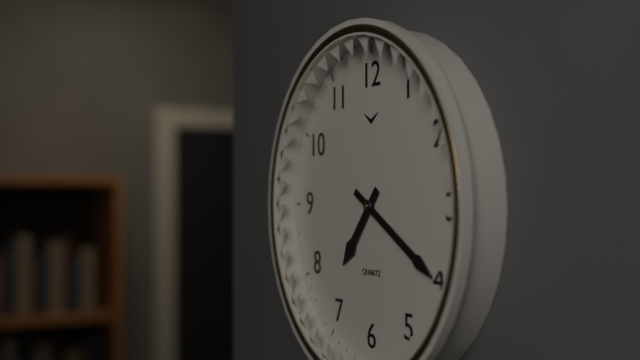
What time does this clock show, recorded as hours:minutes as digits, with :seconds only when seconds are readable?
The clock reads 7:20
